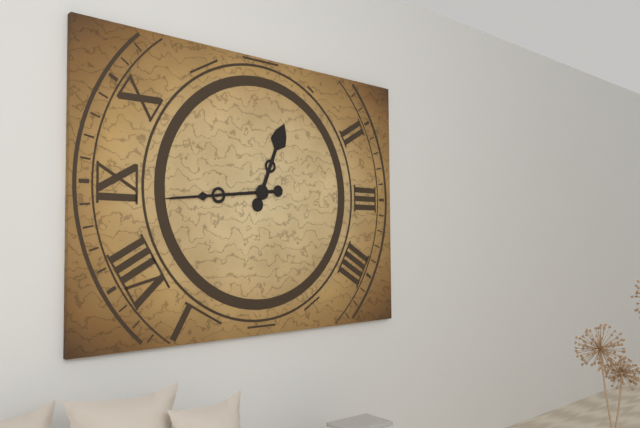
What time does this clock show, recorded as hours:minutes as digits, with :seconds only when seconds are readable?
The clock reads 12:44
